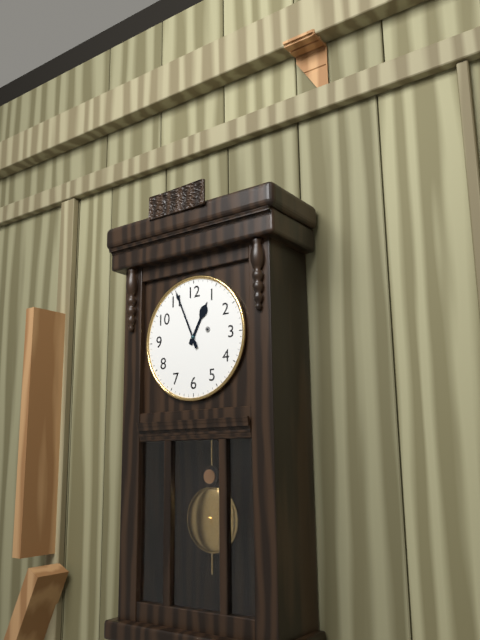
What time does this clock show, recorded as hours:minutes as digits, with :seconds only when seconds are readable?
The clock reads 12:56
